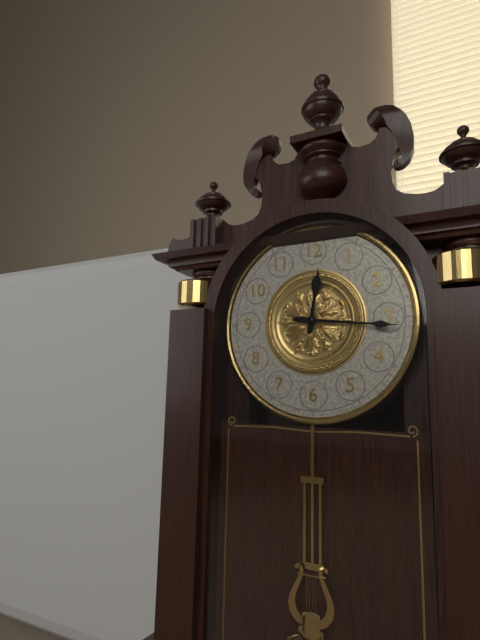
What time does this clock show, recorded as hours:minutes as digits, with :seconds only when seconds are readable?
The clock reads 12:16
